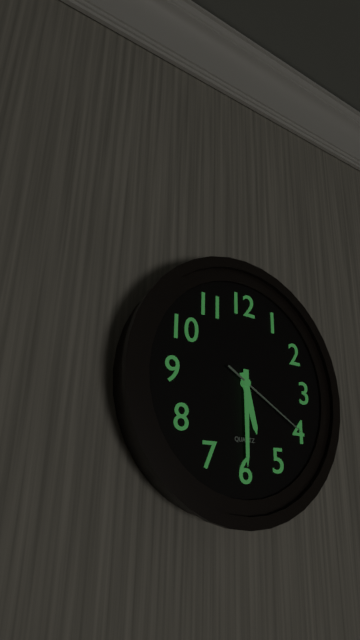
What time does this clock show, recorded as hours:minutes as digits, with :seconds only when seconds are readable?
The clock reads 5:30:20
